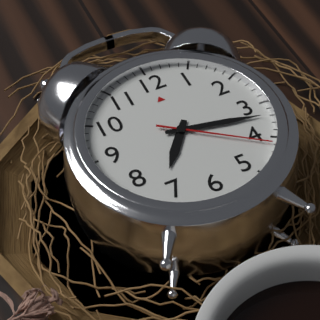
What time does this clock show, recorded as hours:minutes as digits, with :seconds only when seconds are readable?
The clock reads 7:17:21
